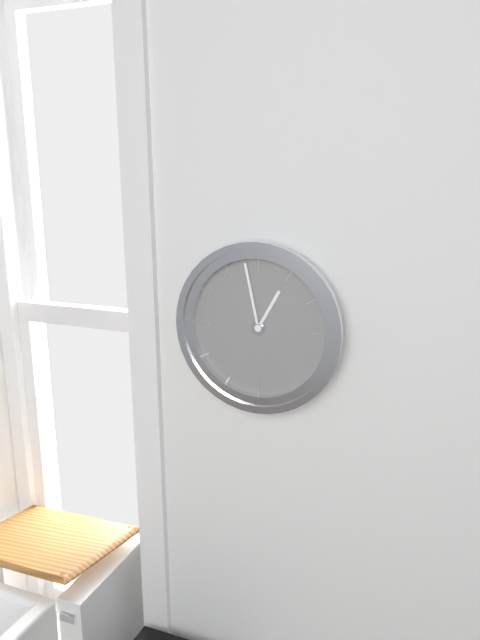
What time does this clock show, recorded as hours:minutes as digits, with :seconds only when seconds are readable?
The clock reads 12:58
